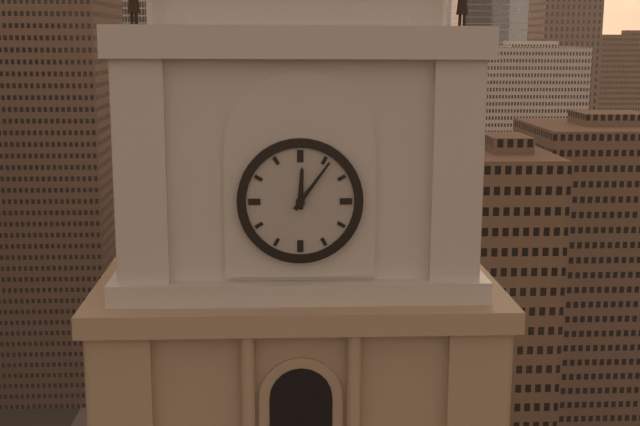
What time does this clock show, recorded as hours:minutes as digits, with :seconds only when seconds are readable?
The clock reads 12:06
